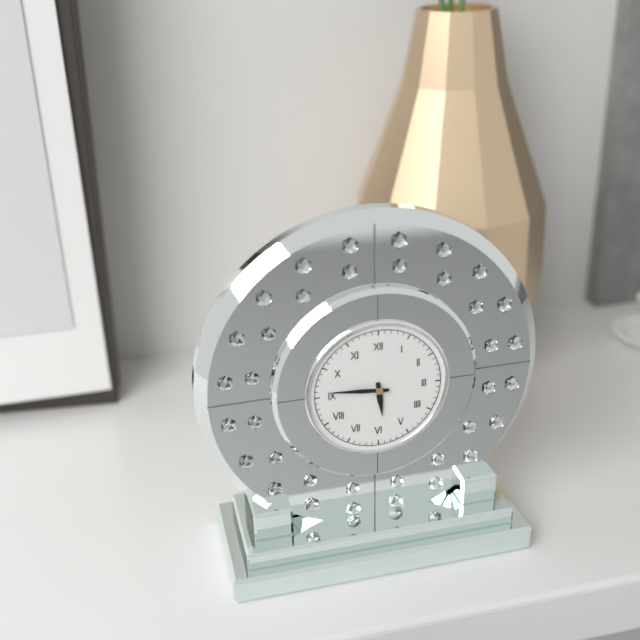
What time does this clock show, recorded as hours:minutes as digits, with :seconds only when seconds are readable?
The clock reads 5:46
